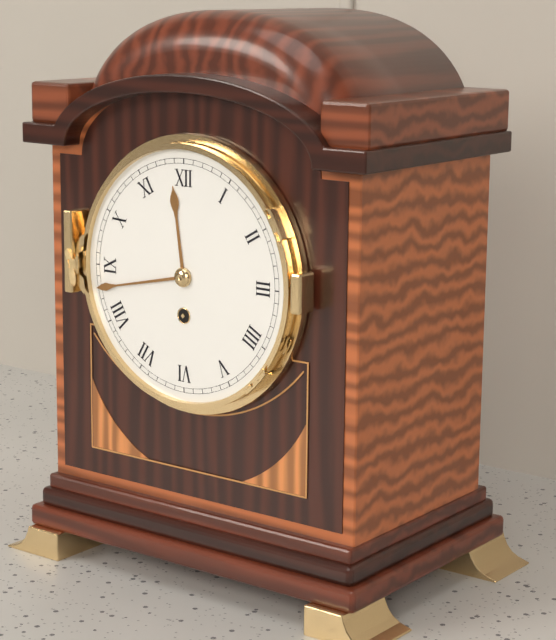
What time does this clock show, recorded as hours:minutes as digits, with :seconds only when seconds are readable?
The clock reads 11:43
